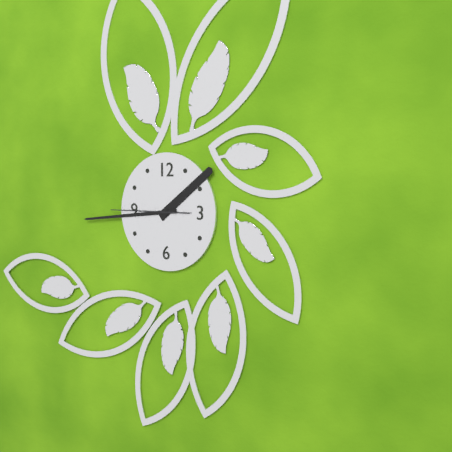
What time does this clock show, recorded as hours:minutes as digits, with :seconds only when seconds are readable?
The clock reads 1:44:45
